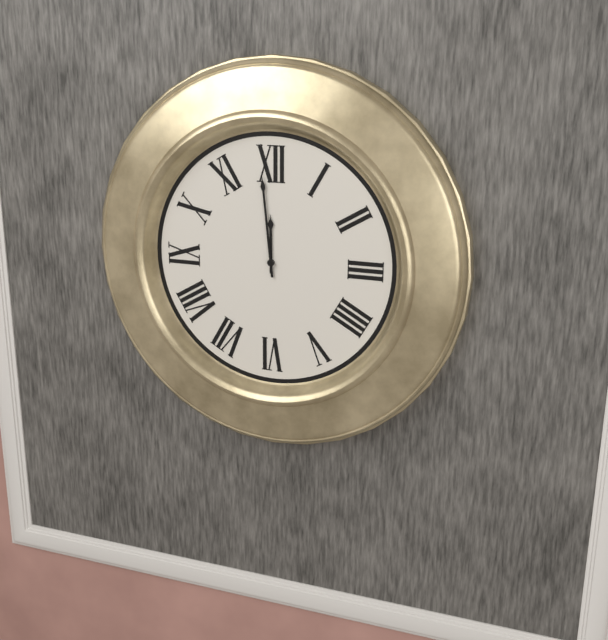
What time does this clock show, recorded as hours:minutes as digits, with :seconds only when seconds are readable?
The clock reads 11:59
